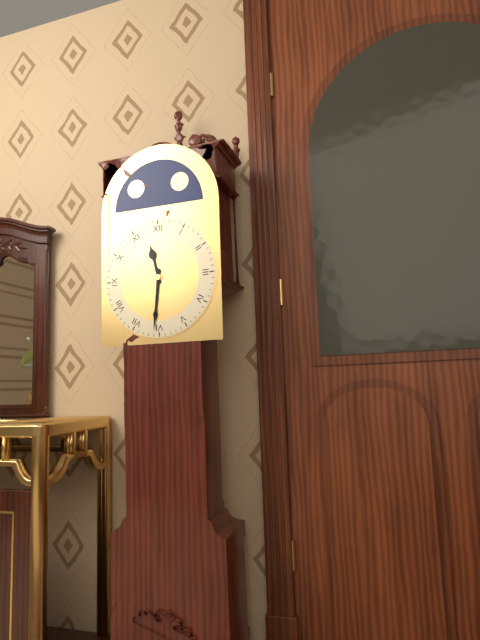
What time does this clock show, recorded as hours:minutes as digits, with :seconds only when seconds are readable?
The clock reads 11:31
